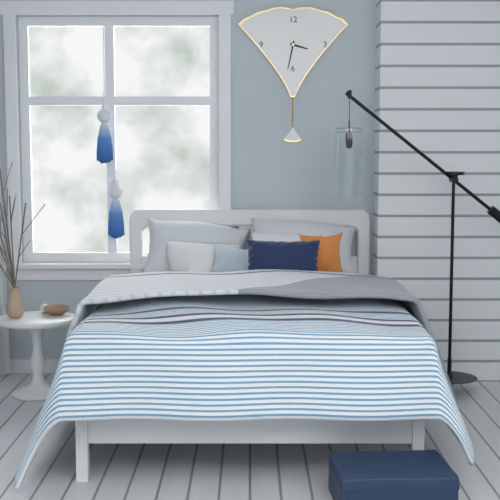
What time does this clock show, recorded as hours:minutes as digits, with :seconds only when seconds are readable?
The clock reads 3:32
